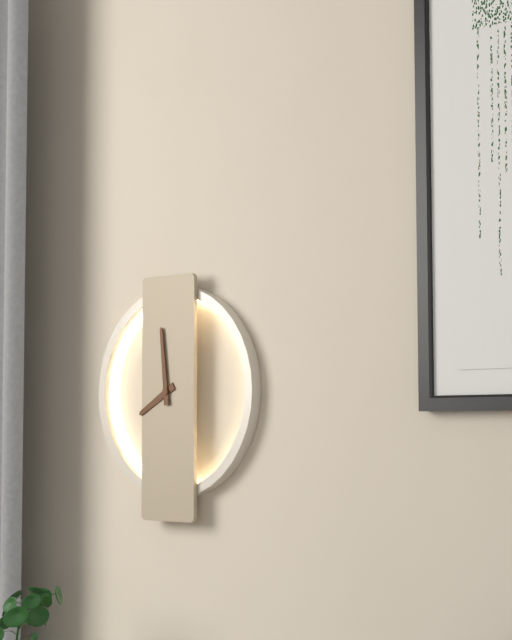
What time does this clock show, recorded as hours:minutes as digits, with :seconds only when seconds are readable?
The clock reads 7:59
